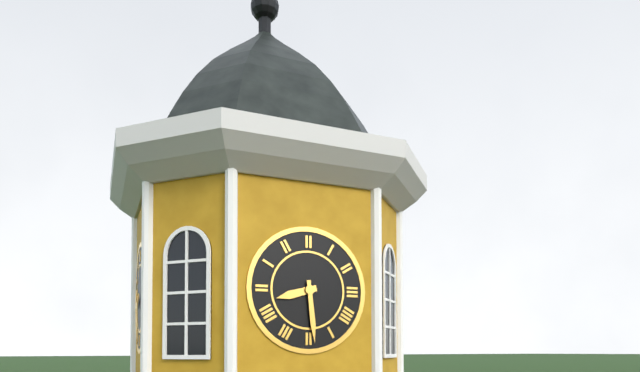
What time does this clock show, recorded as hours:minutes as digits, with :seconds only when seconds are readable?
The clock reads 8:29
